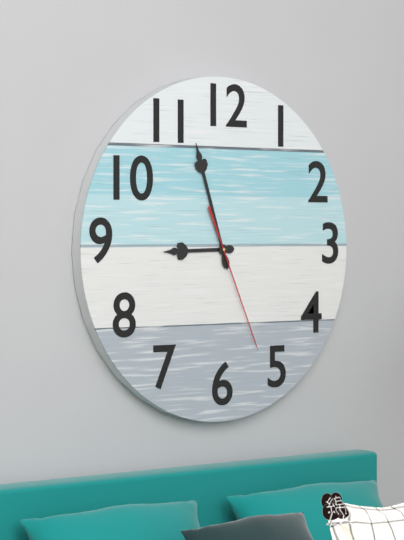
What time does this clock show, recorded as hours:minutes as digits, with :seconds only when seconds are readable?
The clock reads 8:57:26
